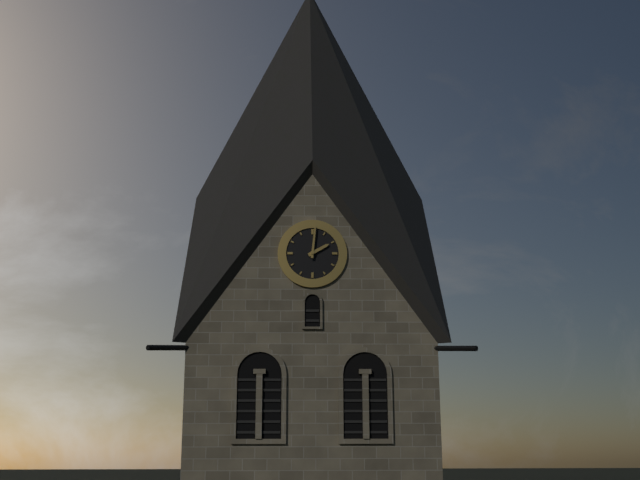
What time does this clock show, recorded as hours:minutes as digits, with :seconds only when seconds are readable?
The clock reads 2:01
